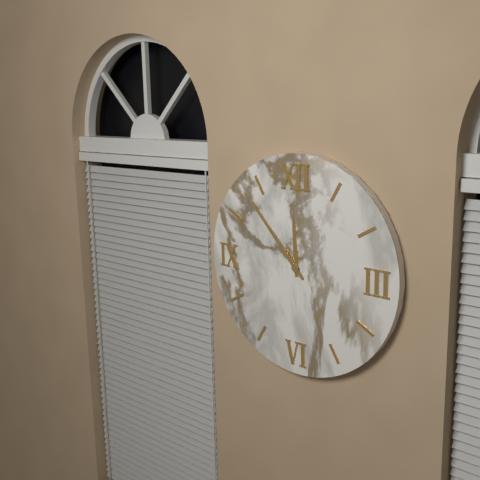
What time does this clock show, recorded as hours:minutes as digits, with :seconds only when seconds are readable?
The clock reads 11:53
